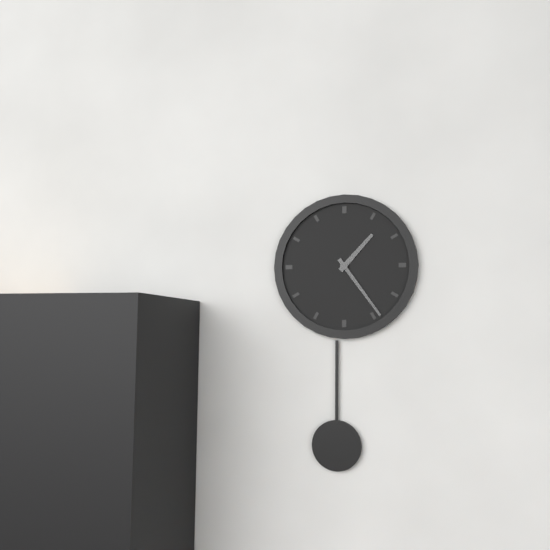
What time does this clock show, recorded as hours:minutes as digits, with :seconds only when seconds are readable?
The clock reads 1:24
